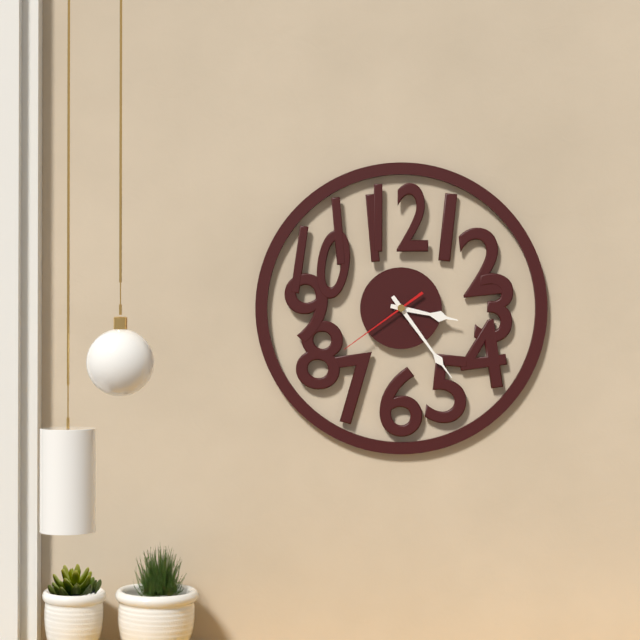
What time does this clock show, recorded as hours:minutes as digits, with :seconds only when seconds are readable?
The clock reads 3:24:39
